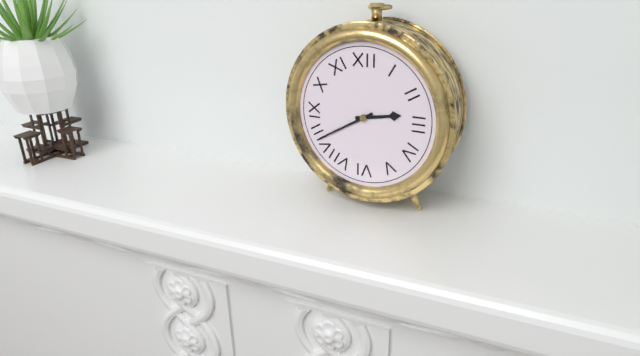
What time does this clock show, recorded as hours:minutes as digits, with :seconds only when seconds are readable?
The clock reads 2:40
